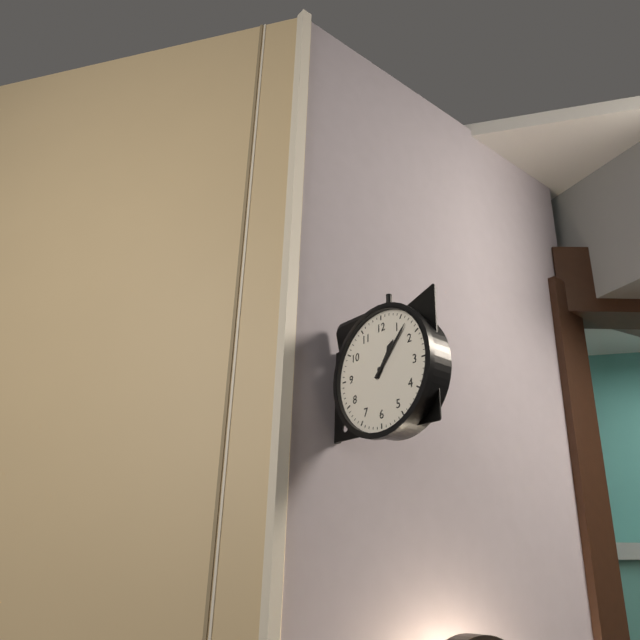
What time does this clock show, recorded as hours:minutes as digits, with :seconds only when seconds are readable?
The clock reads 1:07
